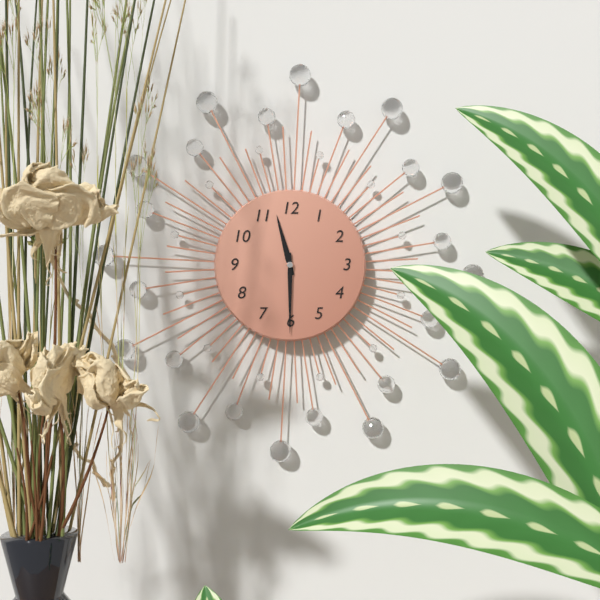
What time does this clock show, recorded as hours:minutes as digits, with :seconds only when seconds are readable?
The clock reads 11:30
